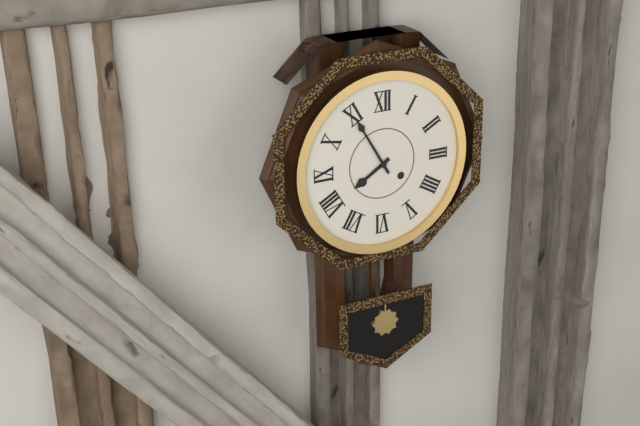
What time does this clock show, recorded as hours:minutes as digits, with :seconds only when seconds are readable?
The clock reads 7:55
